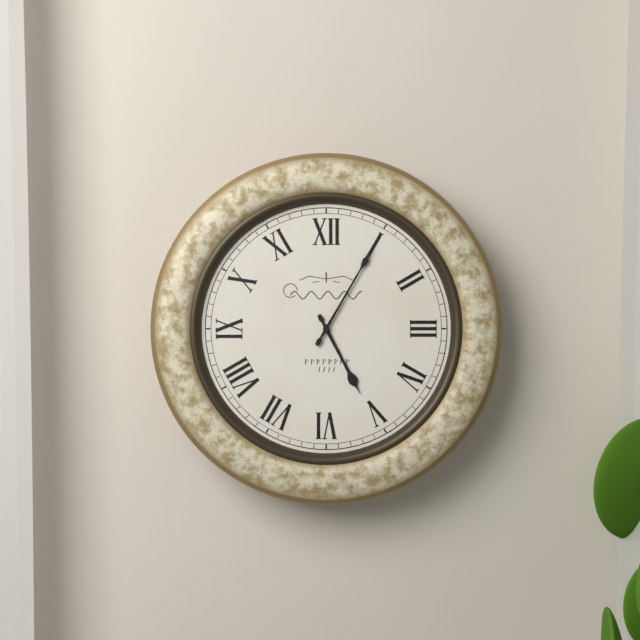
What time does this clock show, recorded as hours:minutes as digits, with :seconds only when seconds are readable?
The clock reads 5:05
